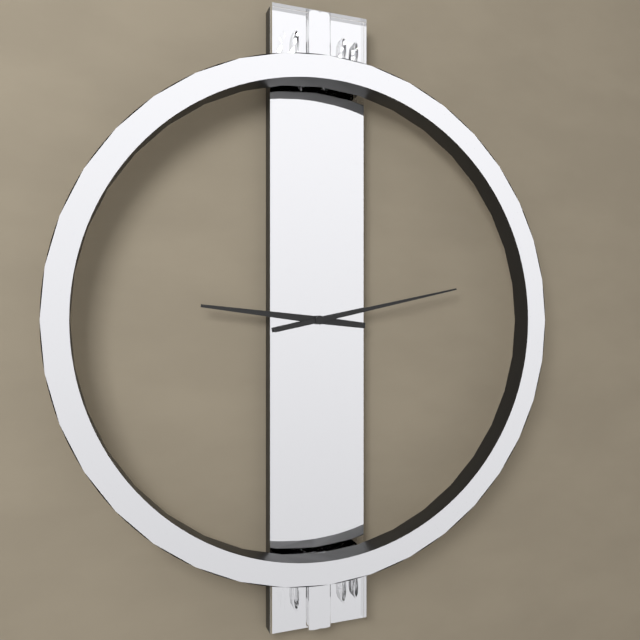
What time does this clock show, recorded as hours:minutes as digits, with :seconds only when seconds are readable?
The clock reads 9:13
